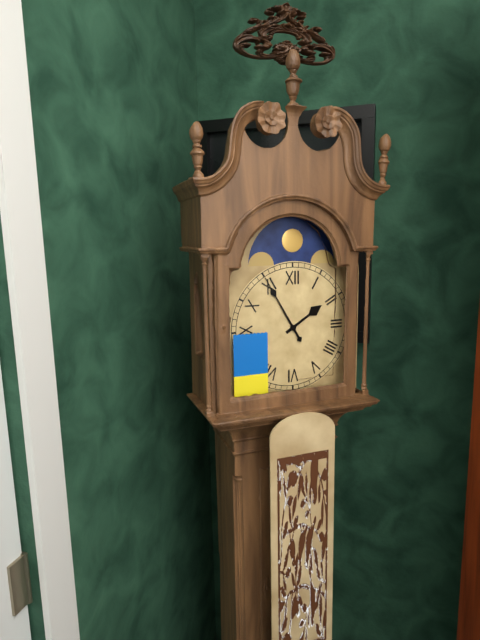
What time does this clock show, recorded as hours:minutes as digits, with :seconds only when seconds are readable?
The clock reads 1:55
